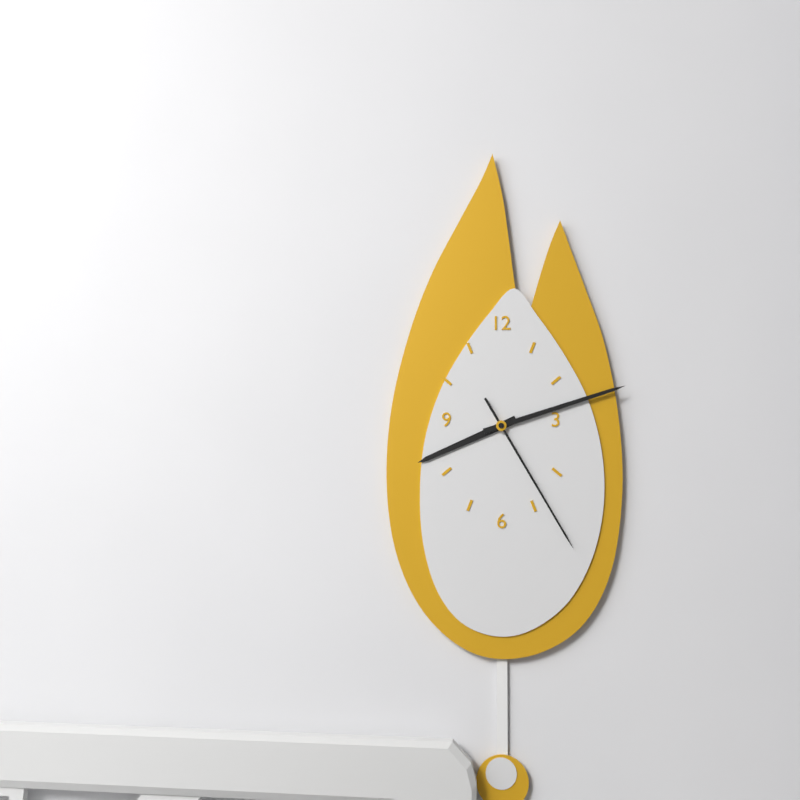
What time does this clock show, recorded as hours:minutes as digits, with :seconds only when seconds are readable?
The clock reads 8:12:25
